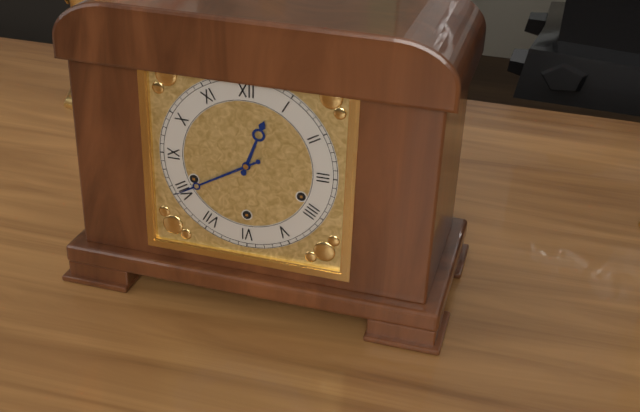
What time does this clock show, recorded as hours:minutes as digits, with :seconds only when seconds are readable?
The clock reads 12:40
